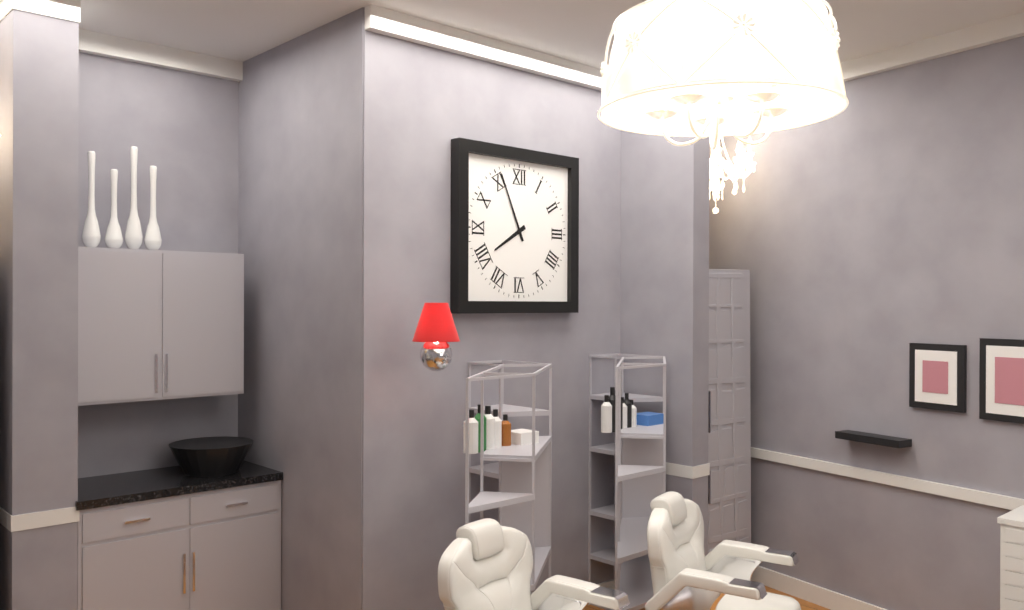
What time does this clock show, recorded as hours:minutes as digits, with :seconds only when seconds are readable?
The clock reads 7:56
